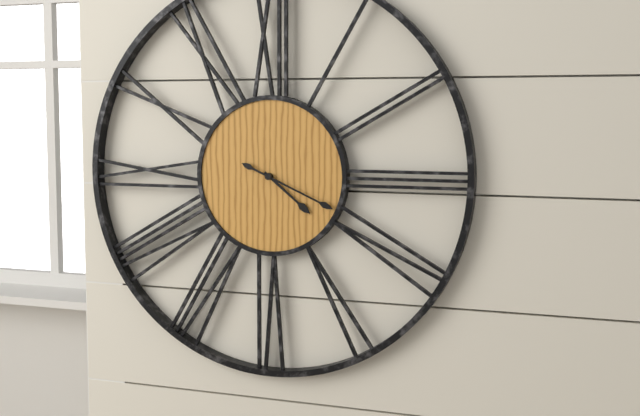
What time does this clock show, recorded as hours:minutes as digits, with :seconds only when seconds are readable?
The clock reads 4:19
